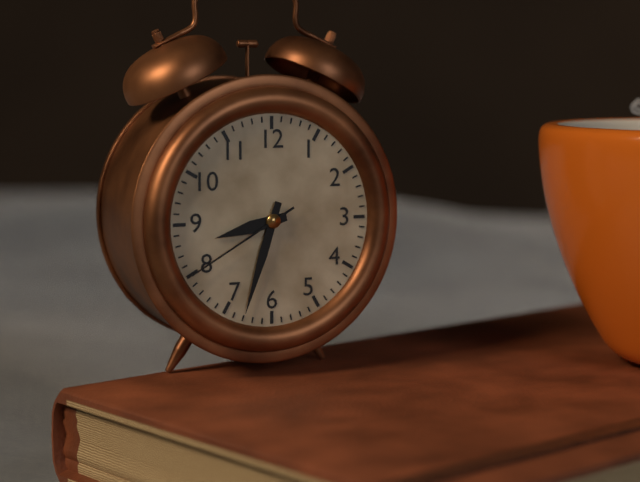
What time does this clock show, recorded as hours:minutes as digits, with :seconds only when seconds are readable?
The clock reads 8:33:40
